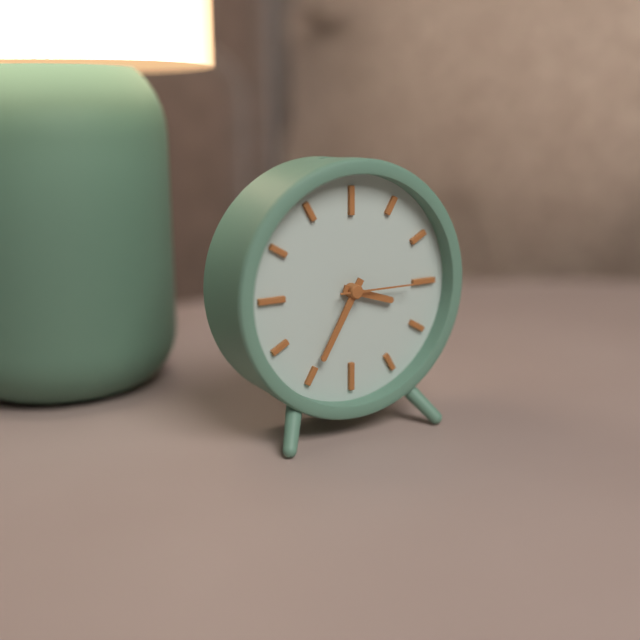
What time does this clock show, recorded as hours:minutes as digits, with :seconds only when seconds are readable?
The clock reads 3:35:15
